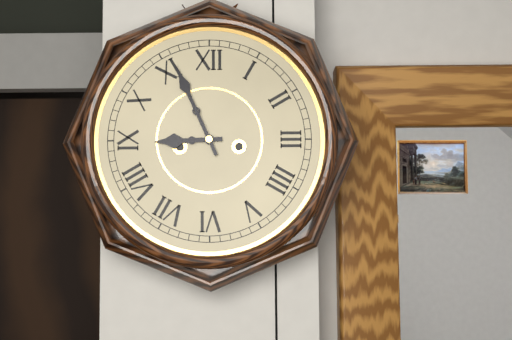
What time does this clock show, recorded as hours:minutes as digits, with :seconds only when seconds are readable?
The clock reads 8:56
